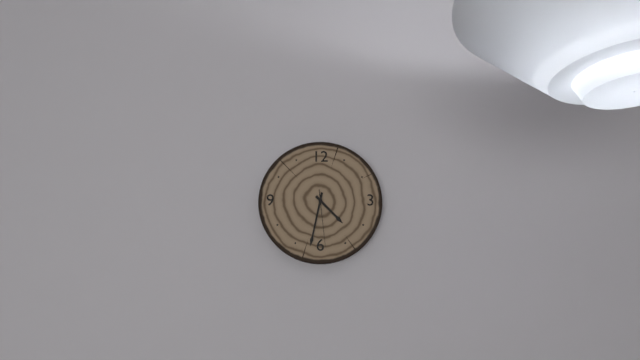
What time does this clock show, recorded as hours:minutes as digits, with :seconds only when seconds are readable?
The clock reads 4:32:29
